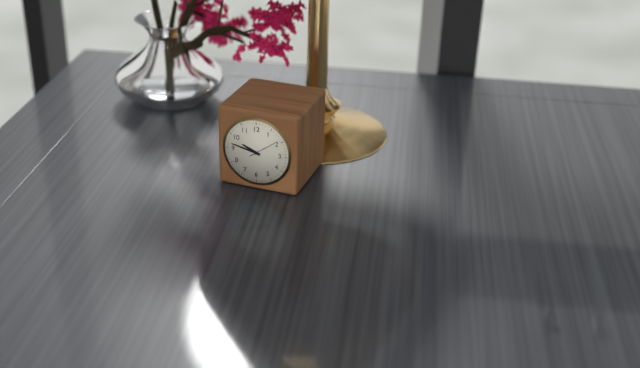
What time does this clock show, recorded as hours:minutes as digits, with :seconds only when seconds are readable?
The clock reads 9:47
